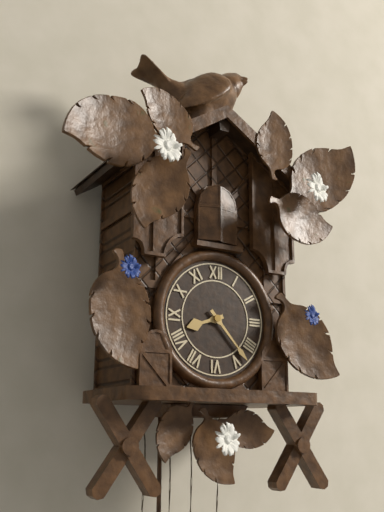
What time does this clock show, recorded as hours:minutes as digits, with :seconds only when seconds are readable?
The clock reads 8:23
